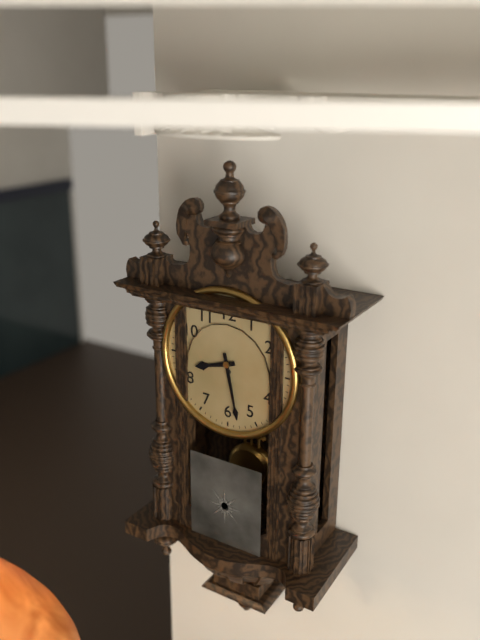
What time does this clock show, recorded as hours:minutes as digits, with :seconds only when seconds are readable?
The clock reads 8:28
